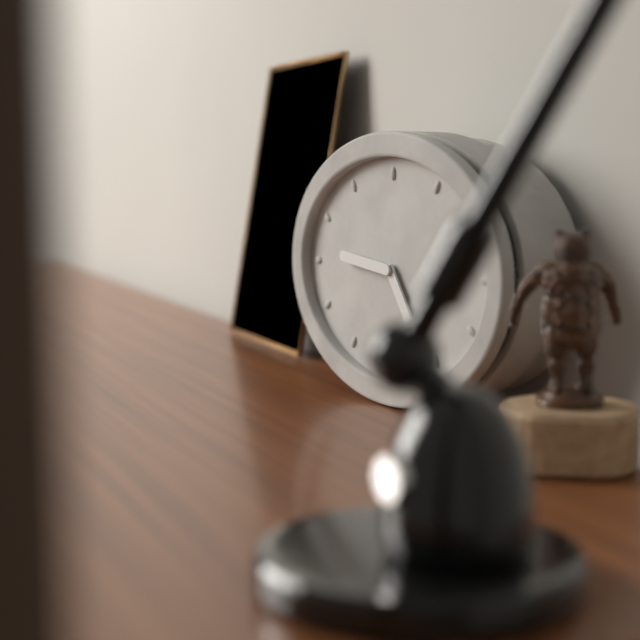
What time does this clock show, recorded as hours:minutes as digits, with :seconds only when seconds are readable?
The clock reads 4:46
